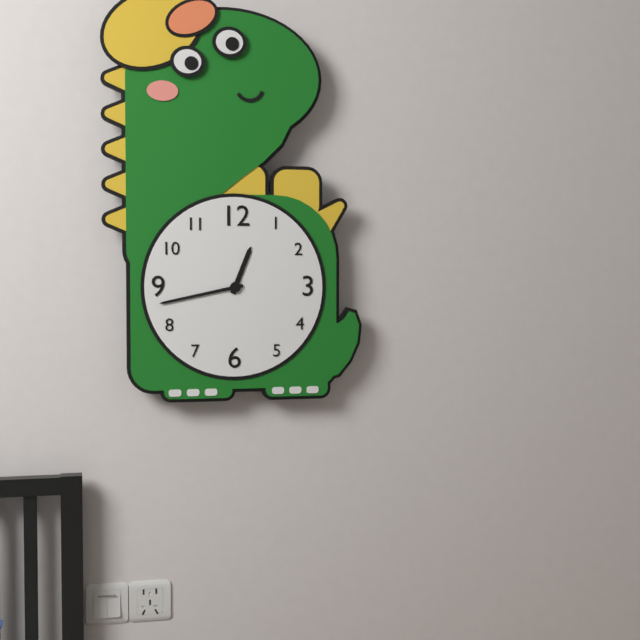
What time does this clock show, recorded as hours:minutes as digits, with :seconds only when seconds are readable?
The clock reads 12:43
